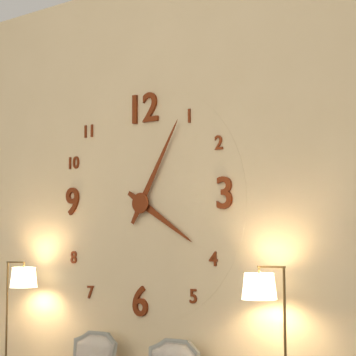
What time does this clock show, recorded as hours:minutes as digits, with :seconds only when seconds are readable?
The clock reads 4:05
